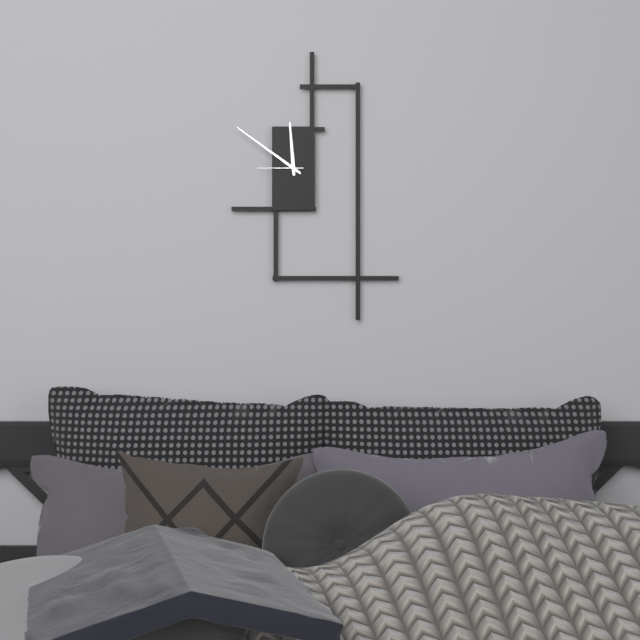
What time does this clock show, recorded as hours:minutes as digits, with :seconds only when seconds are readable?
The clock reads 11:51
